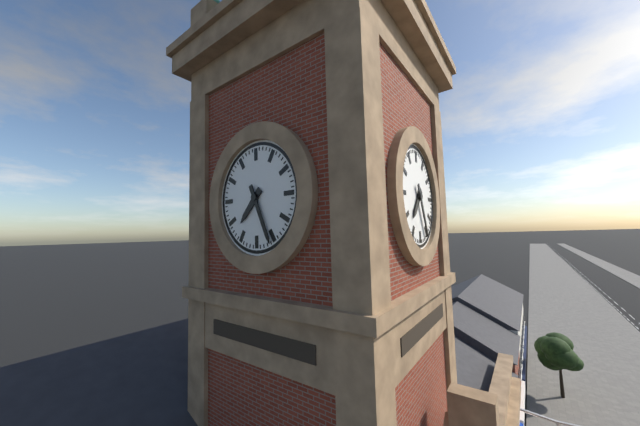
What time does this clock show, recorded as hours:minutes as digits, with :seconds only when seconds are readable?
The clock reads 7:26
